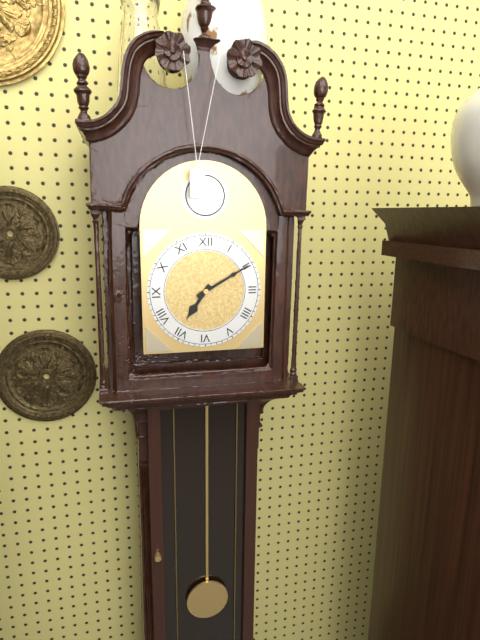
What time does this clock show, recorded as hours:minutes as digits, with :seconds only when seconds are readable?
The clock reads 7:10
